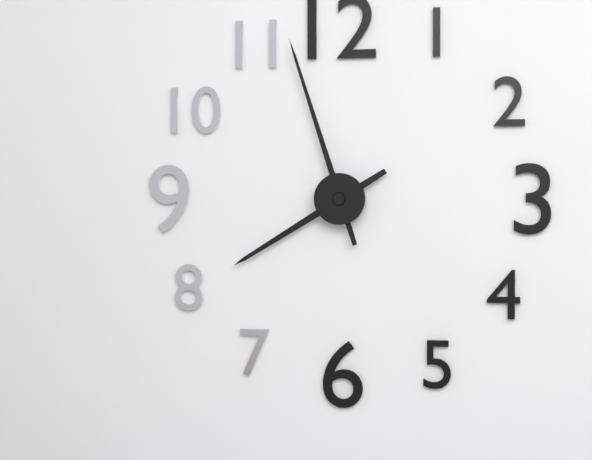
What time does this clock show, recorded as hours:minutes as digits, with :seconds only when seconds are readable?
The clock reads 7:57
